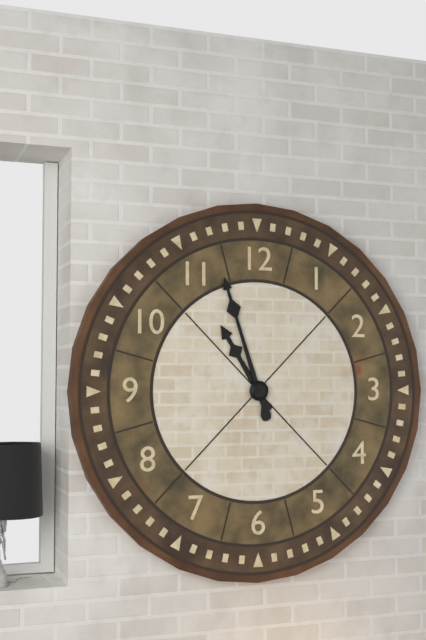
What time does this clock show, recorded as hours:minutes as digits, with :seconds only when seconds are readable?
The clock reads 10:57
